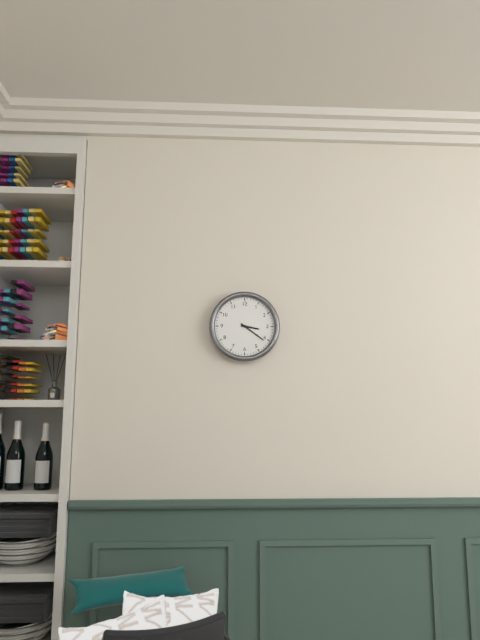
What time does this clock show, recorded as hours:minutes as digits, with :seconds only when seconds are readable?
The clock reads 3:21
